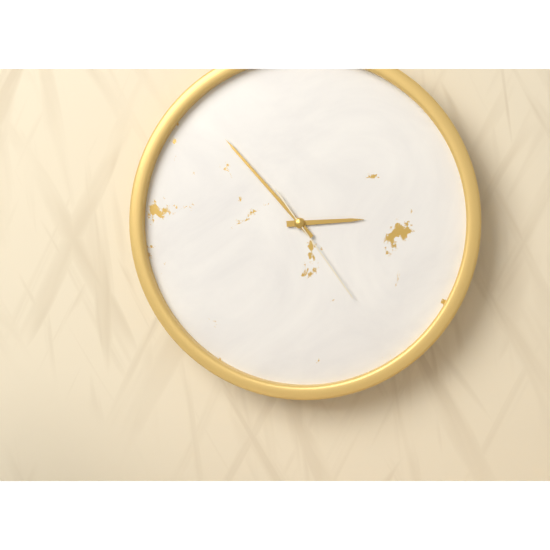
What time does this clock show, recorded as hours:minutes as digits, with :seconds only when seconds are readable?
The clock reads 2:53:24
